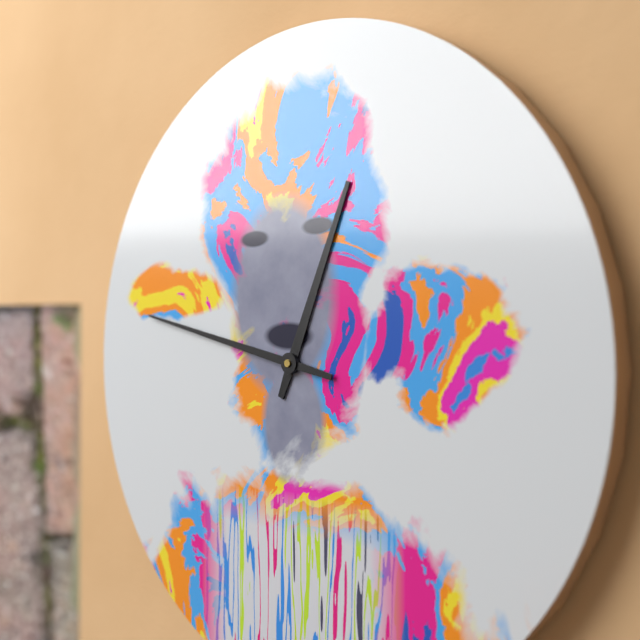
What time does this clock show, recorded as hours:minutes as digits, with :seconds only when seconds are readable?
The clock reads 12:47
